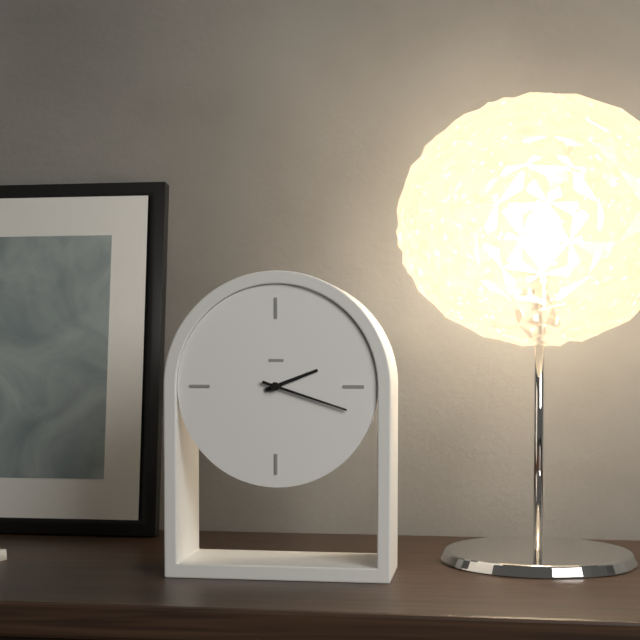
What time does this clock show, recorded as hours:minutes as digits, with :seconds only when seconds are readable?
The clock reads 2:18
